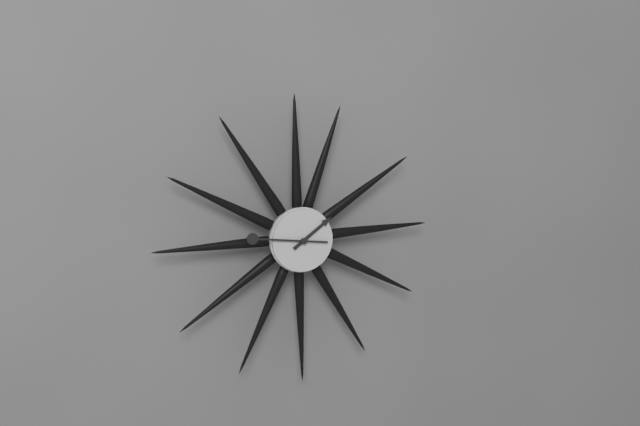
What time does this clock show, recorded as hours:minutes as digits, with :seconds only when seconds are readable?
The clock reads 1:46
